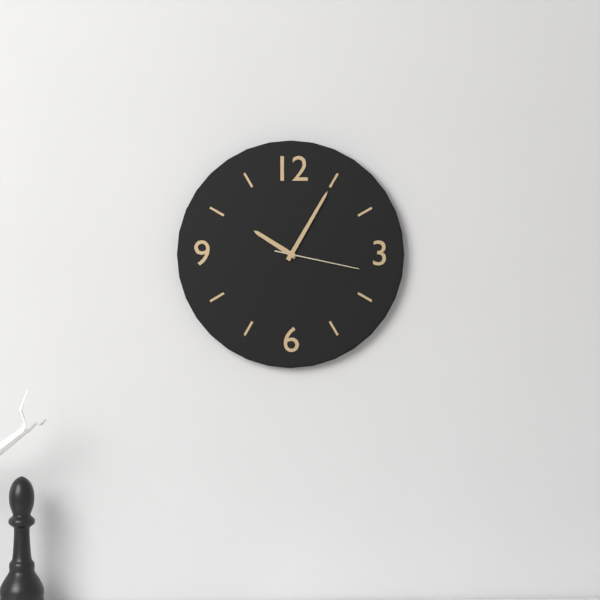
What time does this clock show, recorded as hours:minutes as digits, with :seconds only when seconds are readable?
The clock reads 10:05:17
